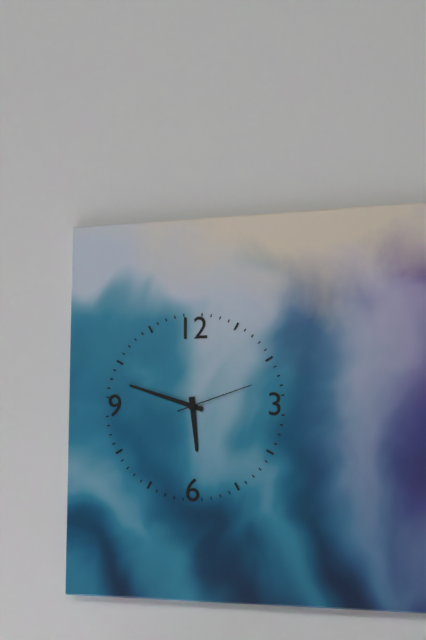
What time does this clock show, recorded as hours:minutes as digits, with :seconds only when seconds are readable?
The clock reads 5:48:12
